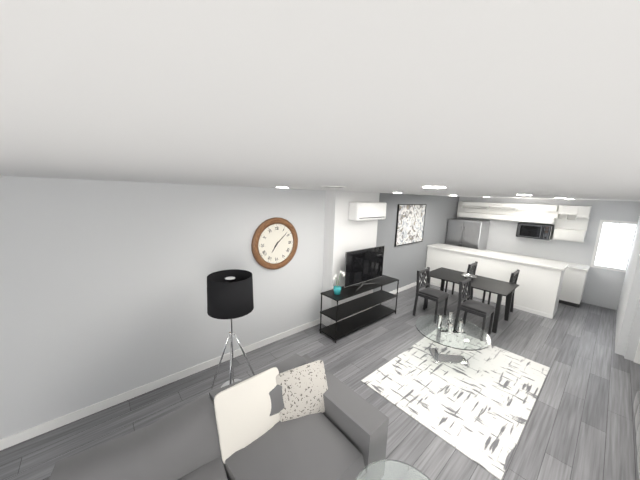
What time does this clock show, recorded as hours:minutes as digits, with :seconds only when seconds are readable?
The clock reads 7:08
